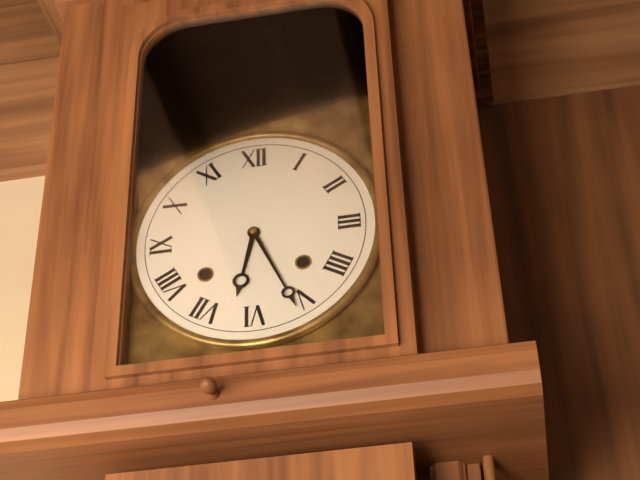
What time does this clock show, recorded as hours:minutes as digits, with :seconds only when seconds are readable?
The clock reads 6:26
